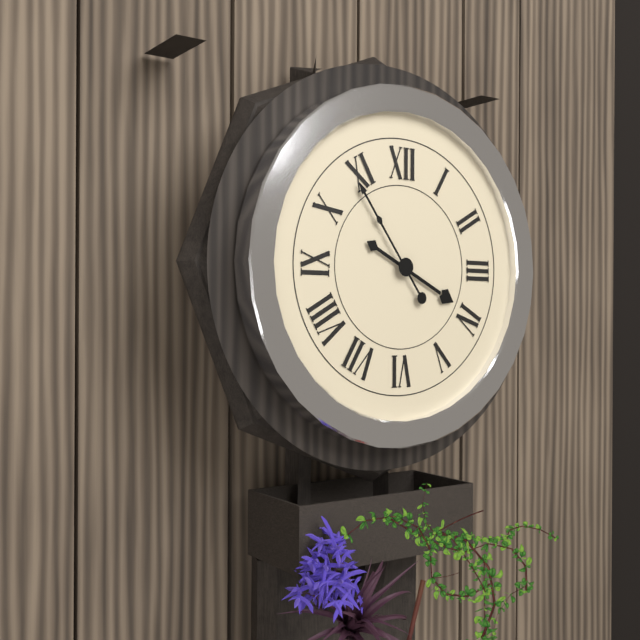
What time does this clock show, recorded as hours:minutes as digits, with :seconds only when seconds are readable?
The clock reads 3:54
